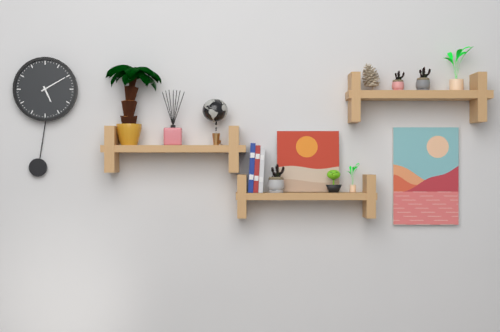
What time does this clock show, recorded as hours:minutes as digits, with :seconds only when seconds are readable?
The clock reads 5:10
